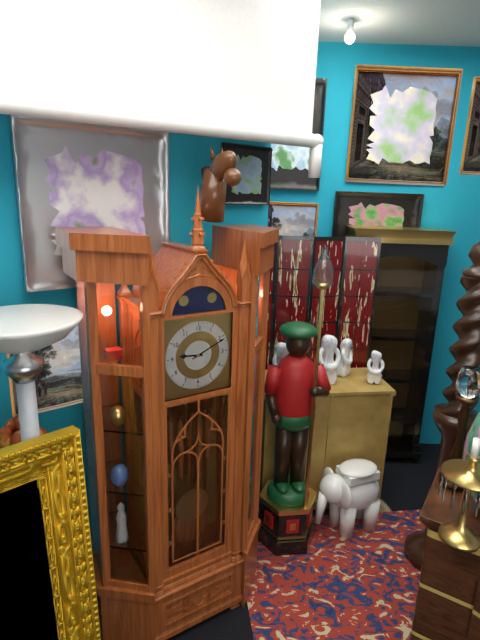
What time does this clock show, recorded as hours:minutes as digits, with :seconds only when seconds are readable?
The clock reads 9:11
